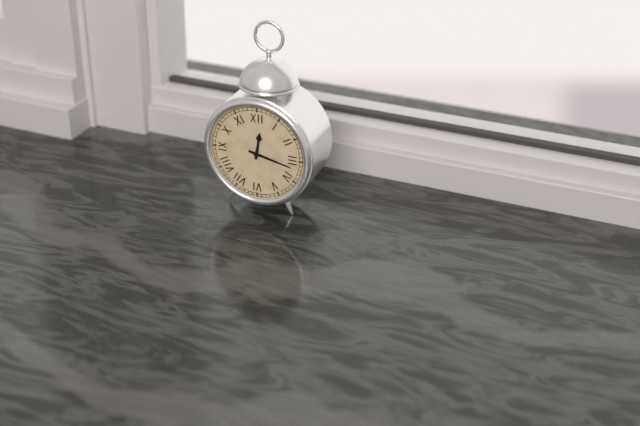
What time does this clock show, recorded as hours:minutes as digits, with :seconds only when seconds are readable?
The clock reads 12:17
